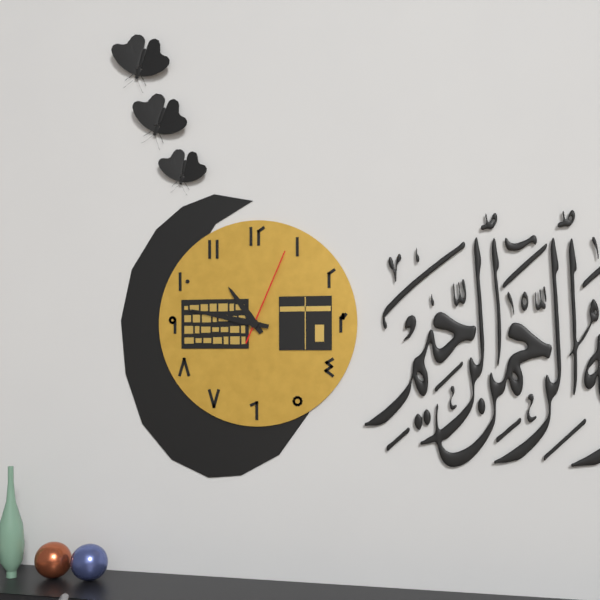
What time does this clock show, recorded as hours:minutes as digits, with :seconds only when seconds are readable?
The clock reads 10:47:04
